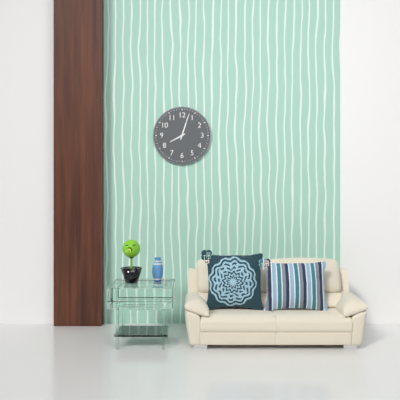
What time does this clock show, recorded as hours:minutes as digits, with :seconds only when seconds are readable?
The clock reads 8:03
